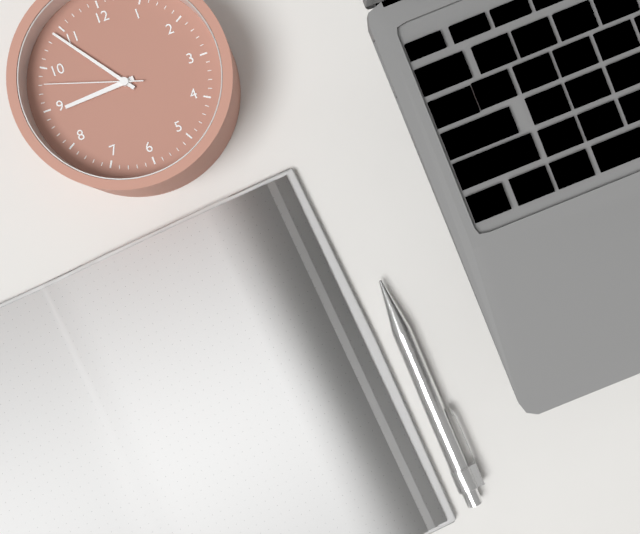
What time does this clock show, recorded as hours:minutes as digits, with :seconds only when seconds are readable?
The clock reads 8:54:48
